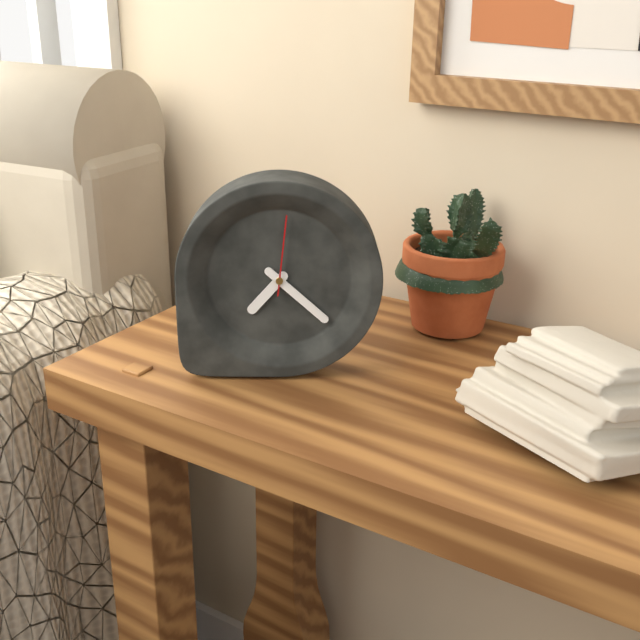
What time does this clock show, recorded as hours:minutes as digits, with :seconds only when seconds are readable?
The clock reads 7:22:01
